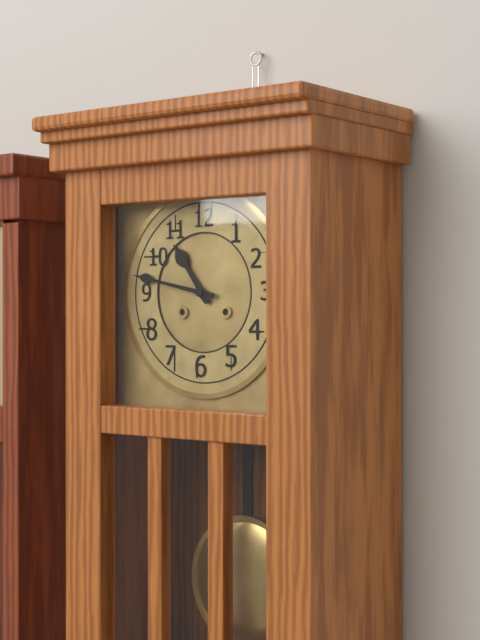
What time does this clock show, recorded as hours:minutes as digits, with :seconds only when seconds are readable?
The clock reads 10:47
